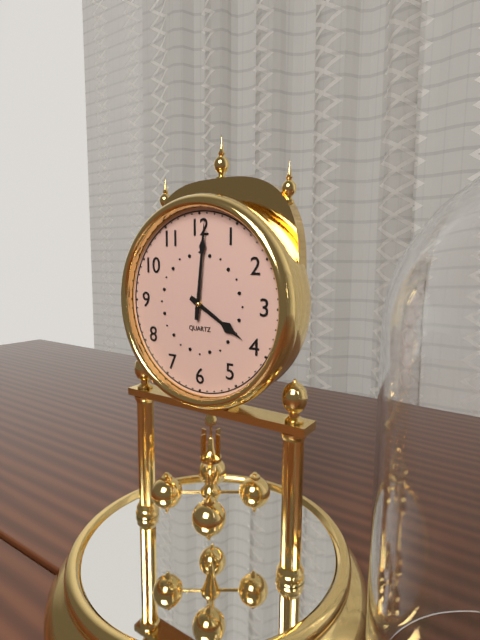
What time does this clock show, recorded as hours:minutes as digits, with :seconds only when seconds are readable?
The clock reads 4:01
